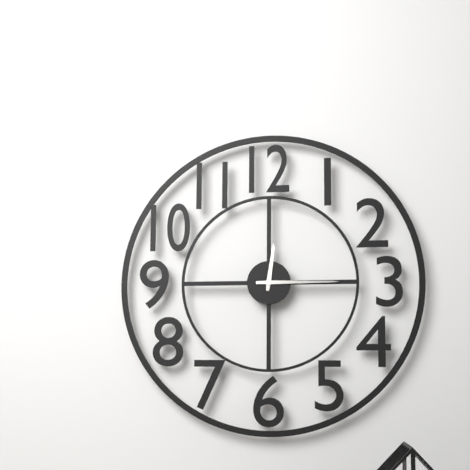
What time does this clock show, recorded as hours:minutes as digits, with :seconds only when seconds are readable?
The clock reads 12:15
